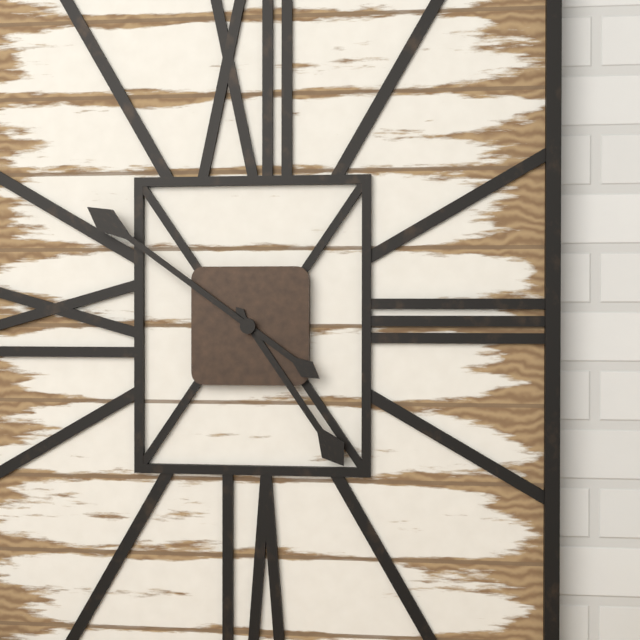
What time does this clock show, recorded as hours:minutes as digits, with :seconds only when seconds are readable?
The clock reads 4:51
